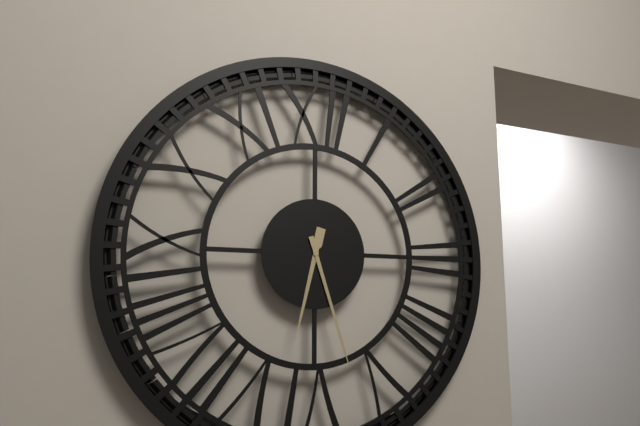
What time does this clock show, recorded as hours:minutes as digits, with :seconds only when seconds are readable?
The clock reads 6:27
